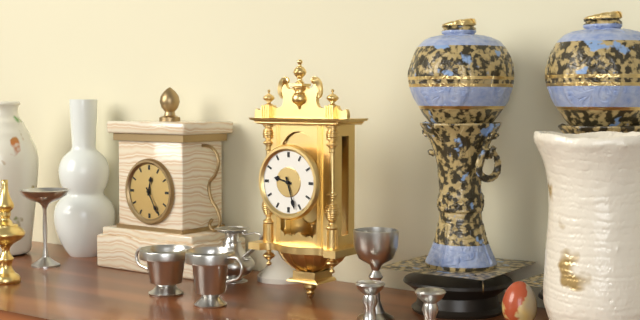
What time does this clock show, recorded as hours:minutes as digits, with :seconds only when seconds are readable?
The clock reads 9:27
